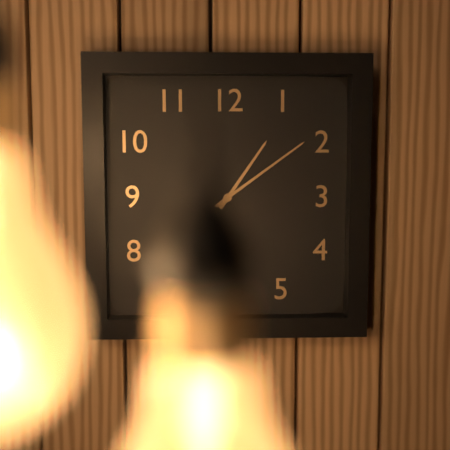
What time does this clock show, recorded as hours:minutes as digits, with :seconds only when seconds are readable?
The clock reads 1:09
